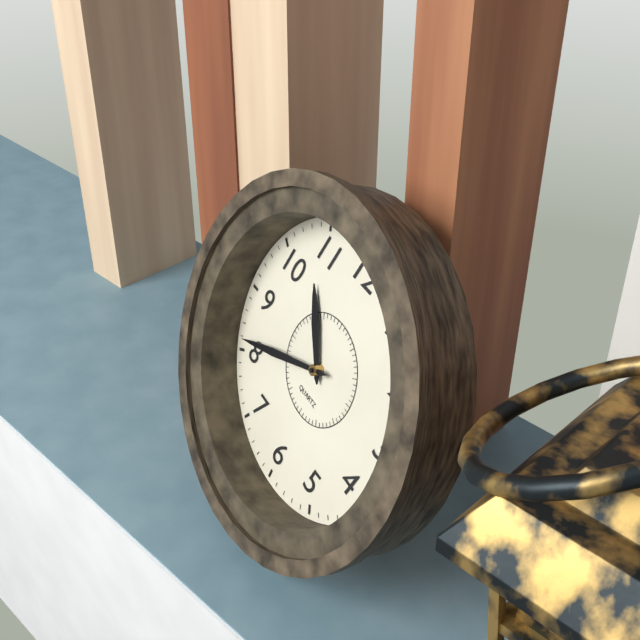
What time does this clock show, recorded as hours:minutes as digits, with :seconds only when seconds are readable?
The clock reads 10:41
